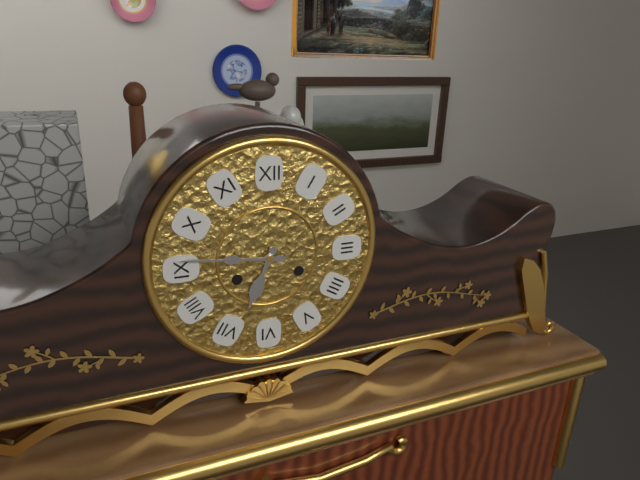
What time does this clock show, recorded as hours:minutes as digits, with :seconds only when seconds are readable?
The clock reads 6:46
